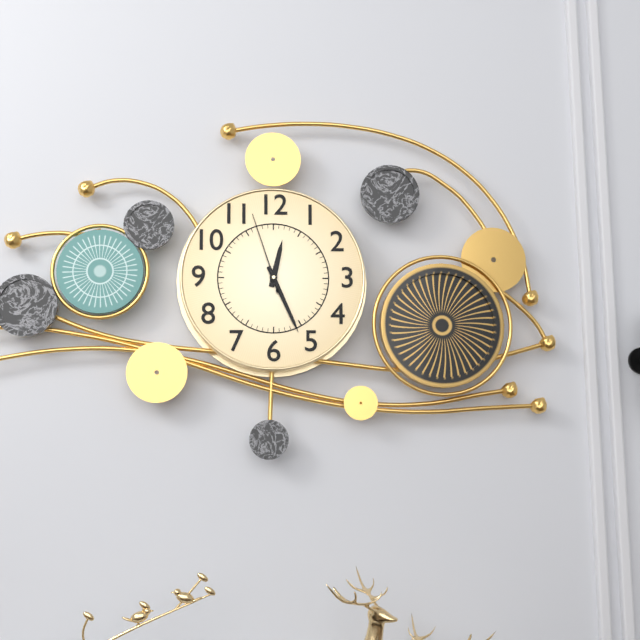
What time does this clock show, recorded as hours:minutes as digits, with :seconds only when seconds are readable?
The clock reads 12:26:57
